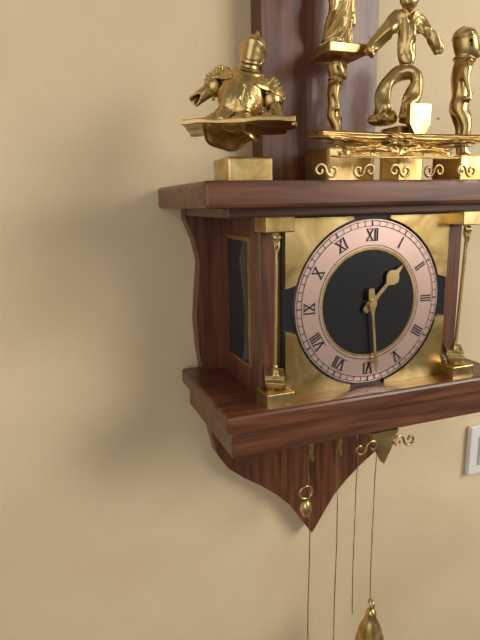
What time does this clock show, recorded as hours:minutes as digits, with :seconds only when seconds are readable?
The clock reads 1:29
